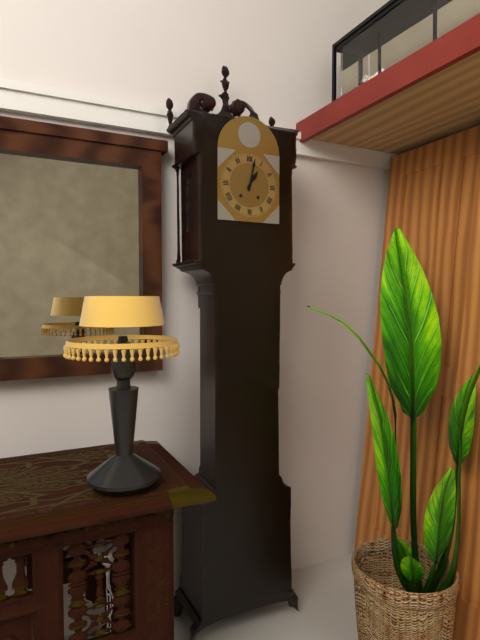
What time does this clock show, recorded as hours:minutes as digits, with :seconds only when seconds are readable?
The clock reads 1:02
